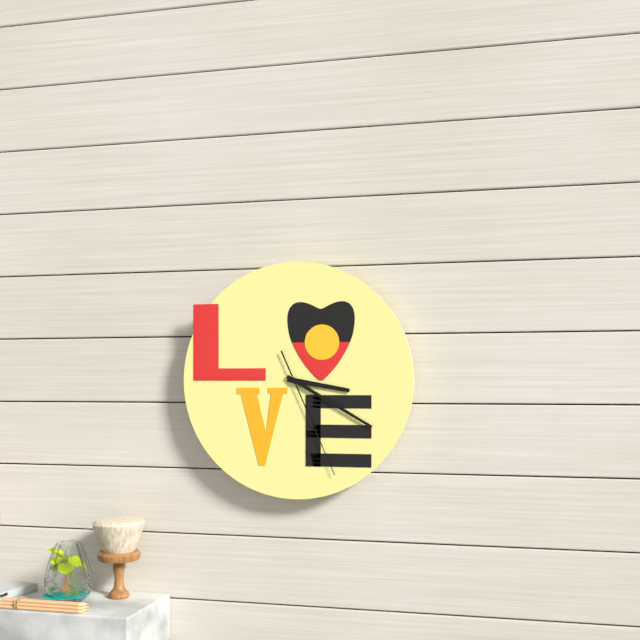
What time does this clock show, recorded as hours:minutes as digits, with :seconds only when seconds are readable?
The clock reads 3:20:26
